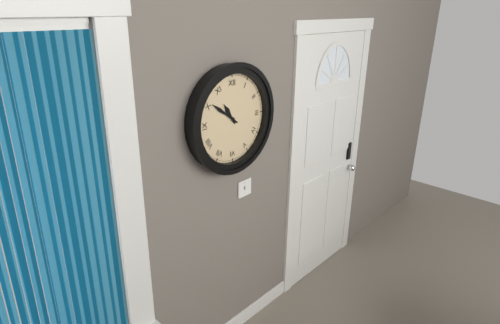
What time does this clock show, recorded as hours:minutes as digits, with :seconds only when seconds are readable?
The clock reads 10:51
